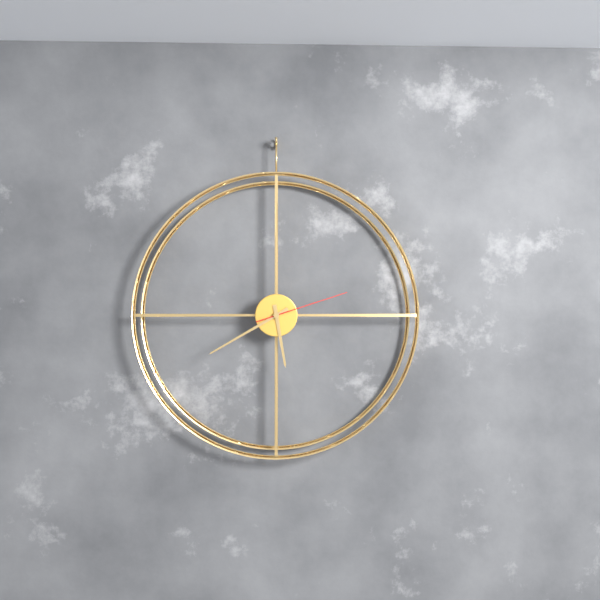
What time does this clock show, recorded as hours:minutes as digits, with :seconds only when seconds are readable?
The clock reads 5:40:12
